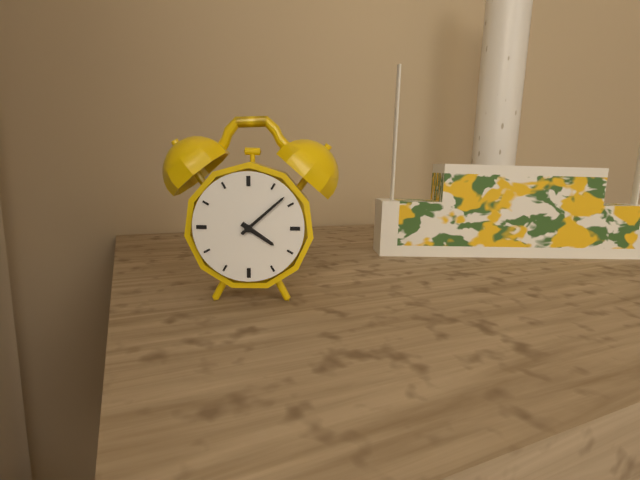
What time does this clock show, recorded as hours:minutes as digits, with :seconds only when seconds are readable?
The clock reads 4:08
